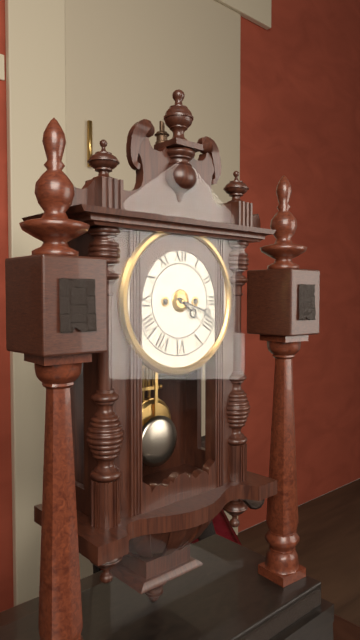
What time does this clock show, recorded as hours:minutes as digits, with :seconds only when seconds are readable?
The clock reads 4:18
